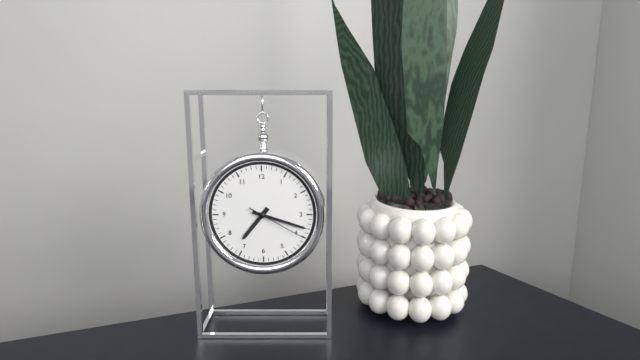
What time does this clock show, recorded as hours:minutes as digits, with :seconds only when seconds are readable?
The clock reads 7:18:20
